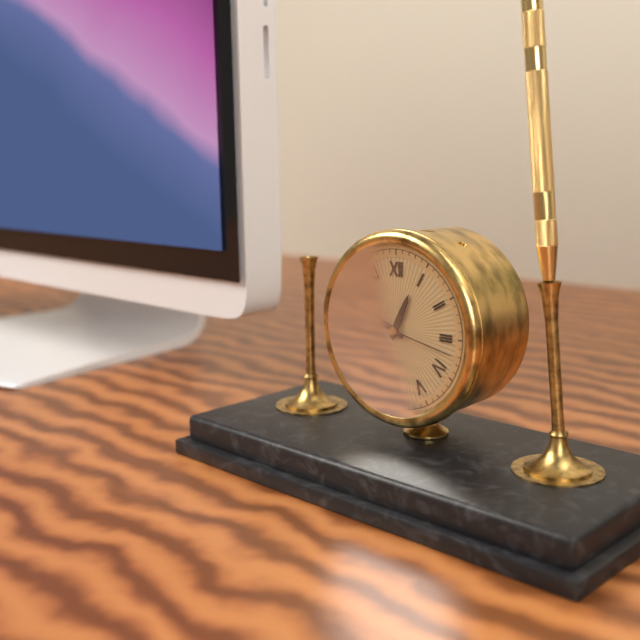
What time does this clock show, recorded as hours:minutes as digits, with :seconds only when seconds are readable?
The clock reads 12:49:17
